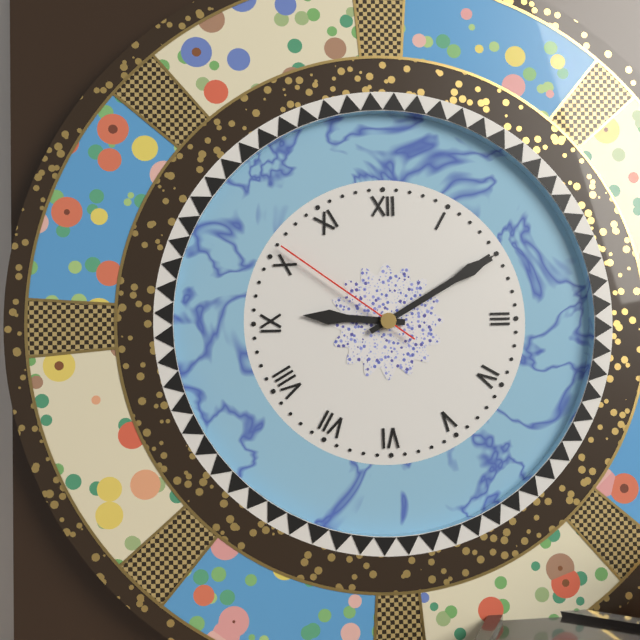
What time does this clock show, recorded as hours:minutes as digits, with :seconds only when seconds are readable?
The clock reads 9:10:51
